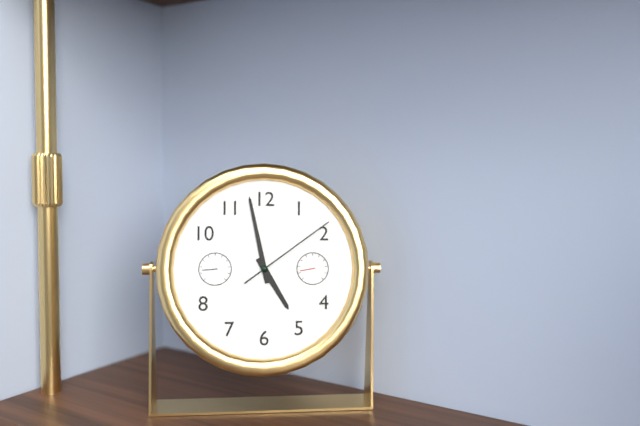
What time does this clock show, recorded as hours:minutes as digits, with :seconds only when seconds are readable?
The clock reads 4:58:09
